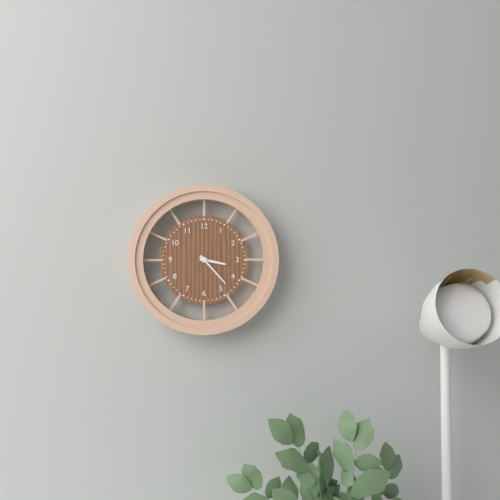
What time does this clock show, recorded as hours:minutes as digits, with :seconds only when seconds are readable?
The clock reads 3:23
